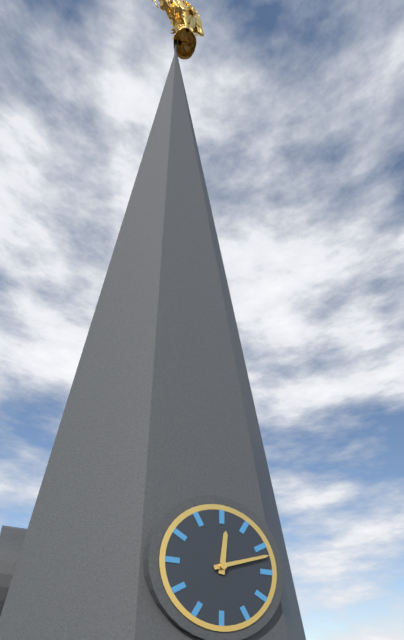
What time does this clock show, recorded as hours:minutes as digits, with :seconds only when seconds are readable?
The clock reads 12:12
